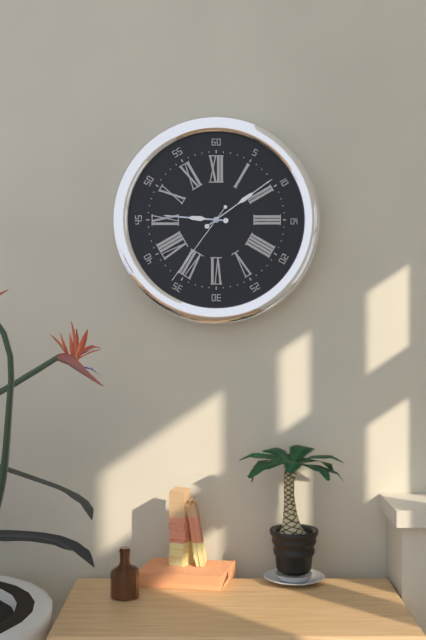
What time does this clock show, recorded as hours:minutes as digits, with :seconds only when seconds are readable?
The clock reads 9:09:36
